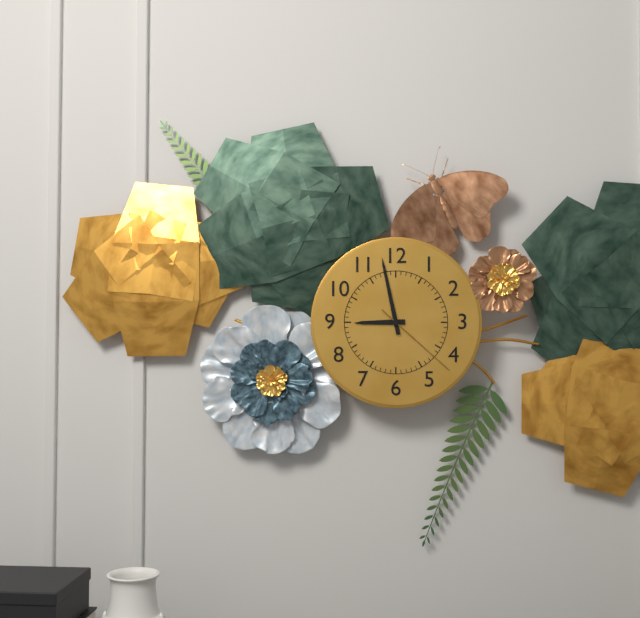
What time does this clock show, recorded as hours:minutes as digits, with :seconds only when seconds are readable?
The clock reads 8:58:22
